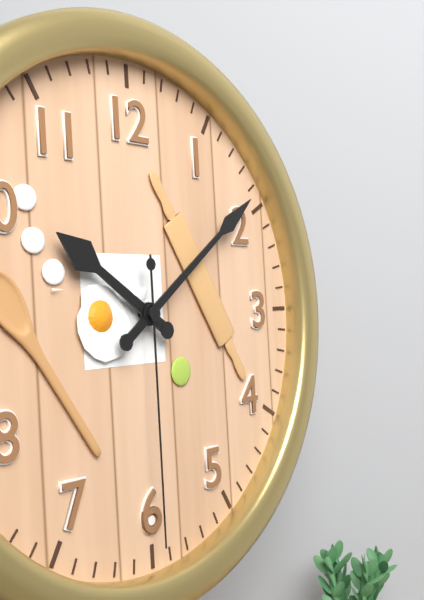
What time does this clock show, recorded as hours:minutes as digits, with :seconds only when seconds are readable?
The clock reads 10:09:30
